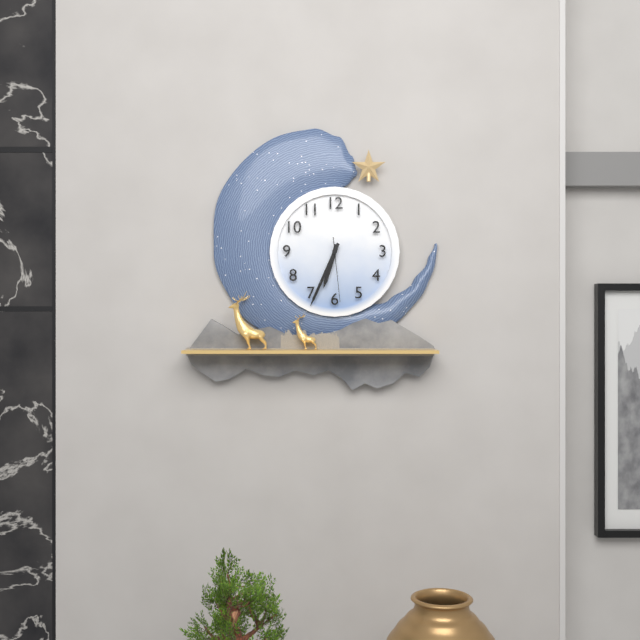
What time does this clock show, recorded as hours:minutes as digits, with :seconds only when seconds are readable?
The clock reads 6:34:29
